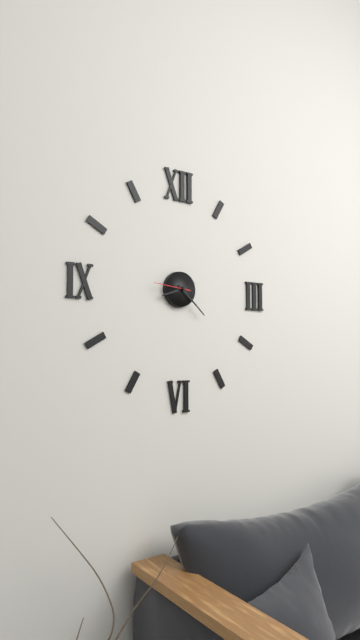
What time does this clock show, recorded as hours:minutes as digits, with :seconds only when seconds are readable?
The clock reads 8:22
